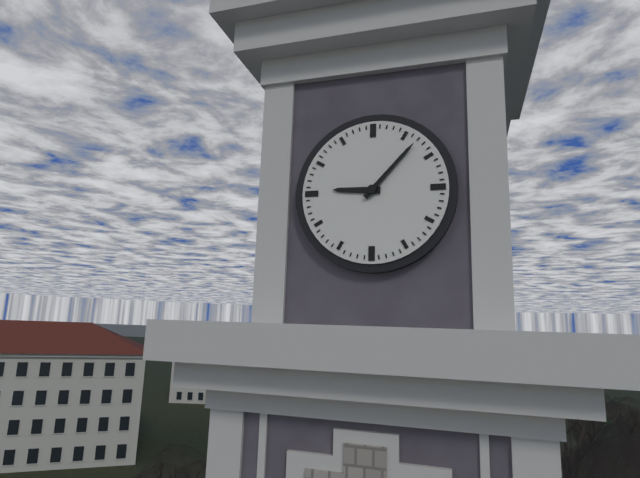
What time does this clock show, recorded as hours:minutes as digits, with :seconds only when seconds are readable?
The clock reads 9:07
